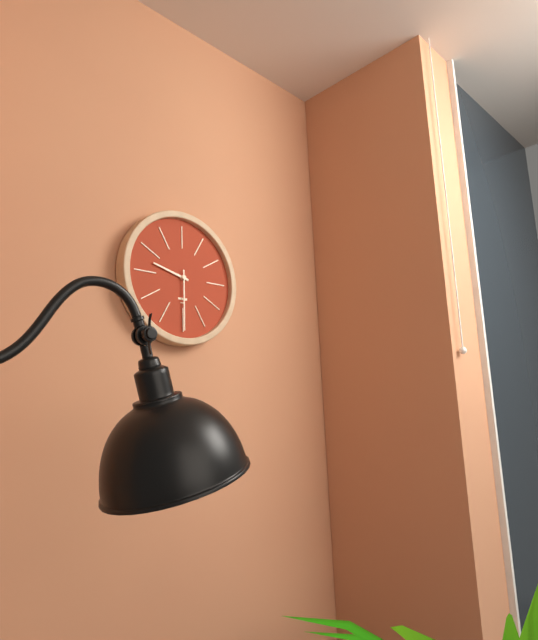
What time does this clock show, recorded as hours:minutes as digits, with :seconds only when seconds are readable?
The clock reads 9:30
